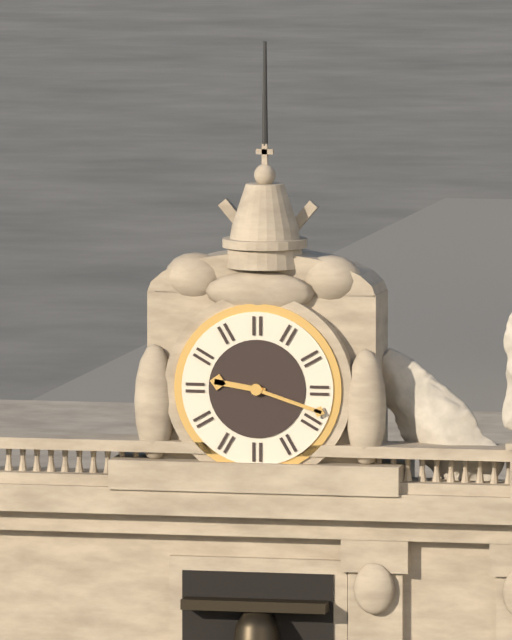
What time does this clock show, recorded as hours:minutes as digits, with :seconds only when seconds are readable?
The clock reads 9:18
